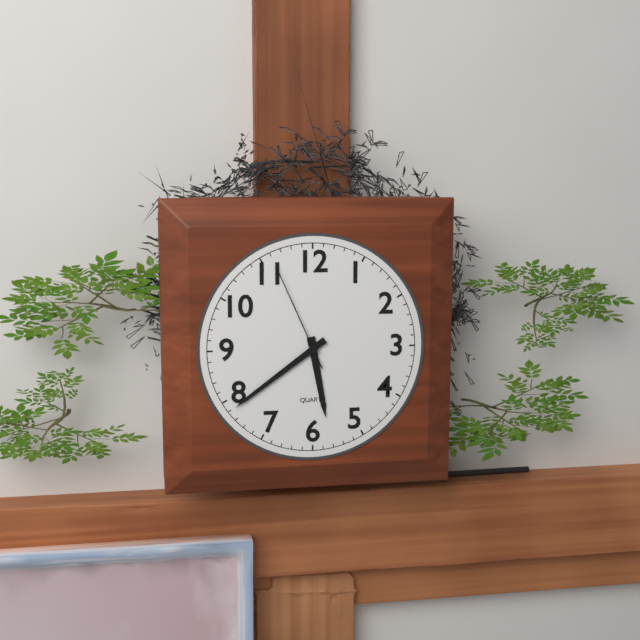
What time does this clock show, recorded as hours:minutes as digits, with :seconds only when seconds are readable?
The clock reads 5:39:56
